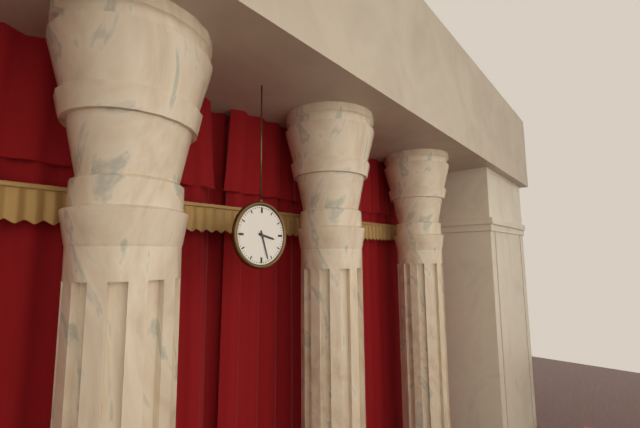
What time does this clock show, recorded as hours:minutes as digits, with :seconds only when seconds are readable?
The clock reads 3:27
